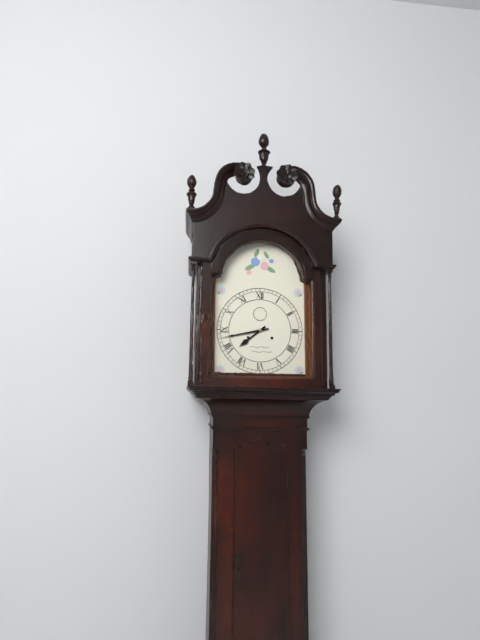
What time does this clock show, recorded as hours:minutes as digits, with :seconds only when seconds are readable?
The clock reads 7:43
